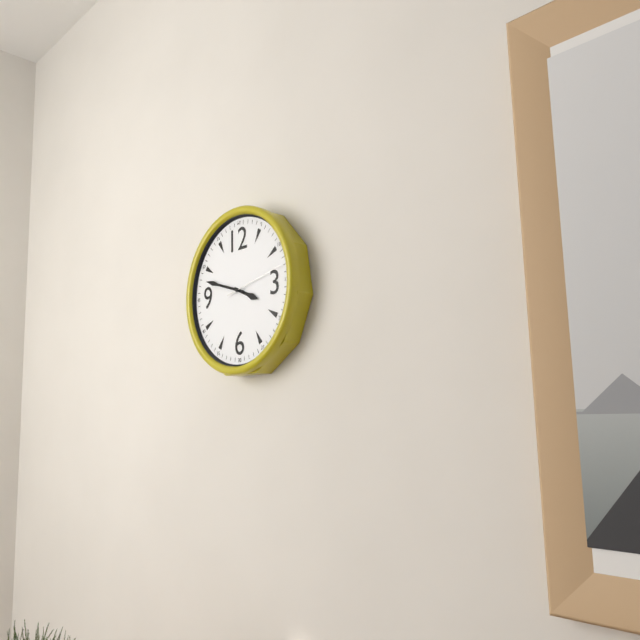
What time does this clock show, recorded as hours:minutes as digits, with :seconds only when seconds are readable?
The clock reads 3:48:13
